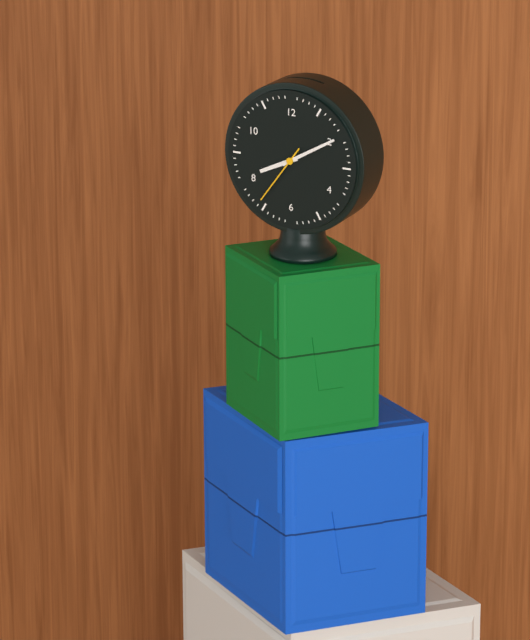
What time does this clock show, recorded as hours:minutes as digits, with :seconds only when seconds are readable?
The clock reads 8:10:36
